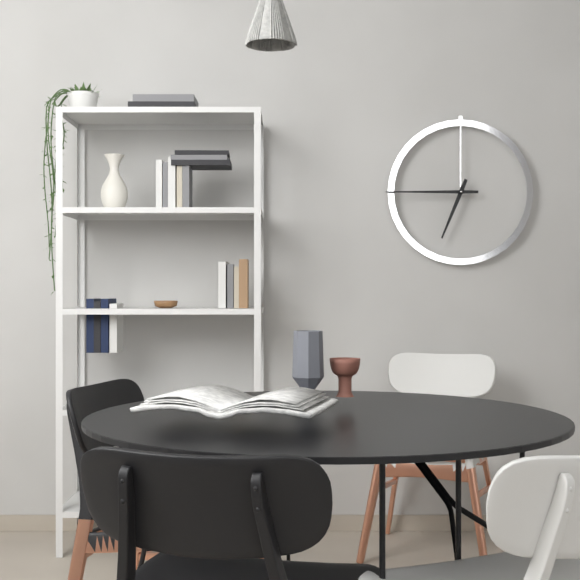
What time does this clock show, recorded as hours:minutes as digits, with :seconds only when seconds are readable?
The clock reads 6:45
